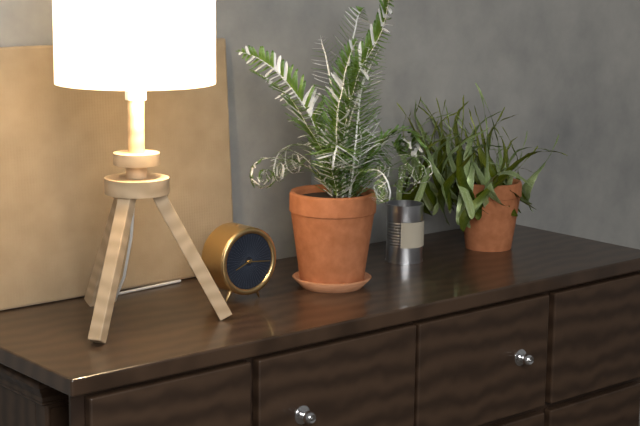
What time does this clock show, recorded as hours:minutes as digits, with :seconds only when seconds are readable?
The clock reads 8:16
